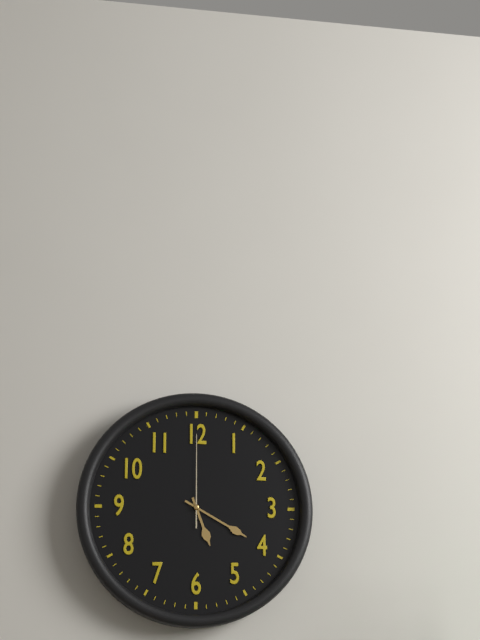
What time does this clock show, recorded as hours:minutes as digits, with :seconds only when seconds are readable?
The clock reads 5:20:00
